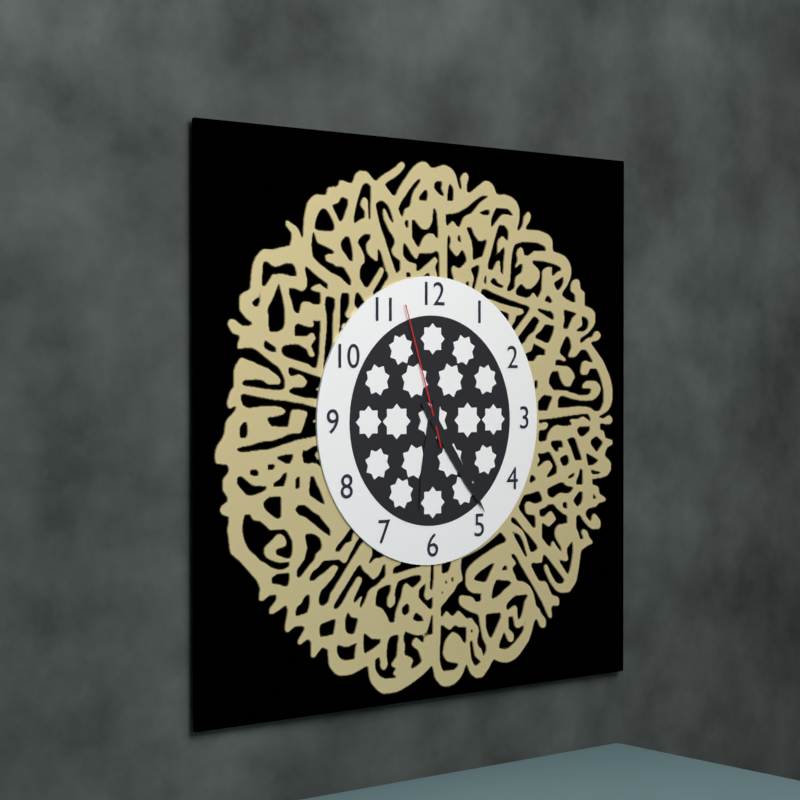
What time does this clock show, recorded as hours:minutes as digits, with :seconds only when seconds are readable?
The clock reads 6:24:57
